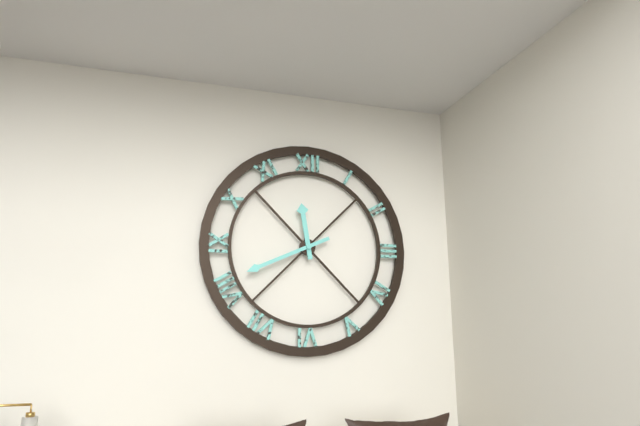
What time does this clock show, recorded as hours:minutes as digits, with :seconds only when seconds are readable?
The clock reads 11:41
